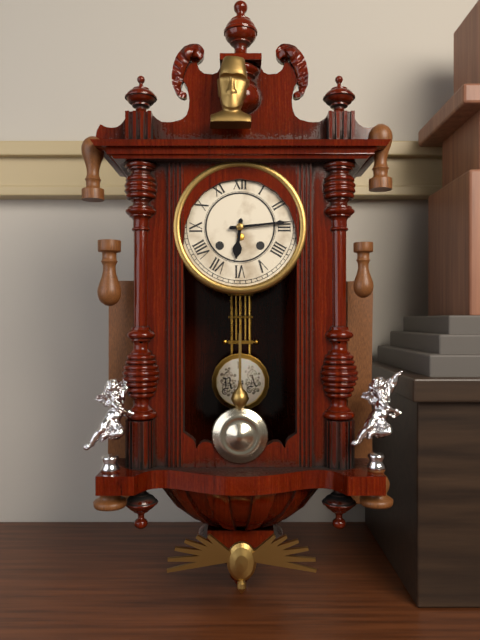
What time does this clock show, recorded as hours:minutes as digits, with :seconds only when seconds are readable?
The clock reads 6:14
